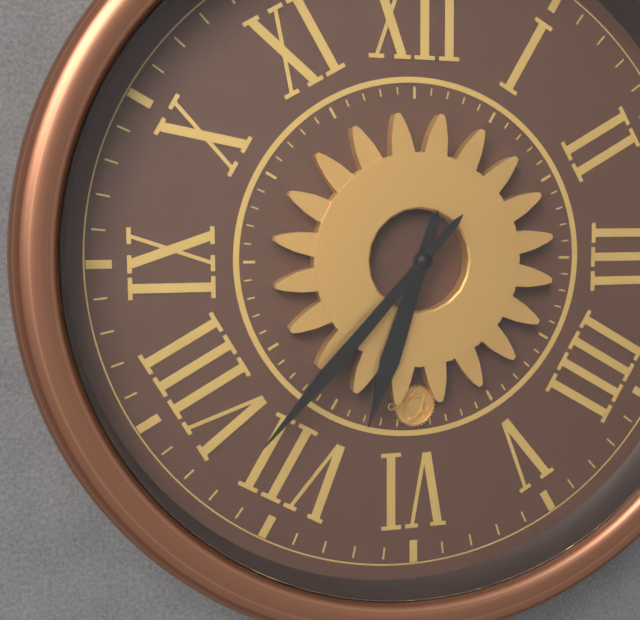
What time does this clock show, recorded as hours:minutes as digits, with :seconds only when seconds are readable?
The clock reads 6:37
